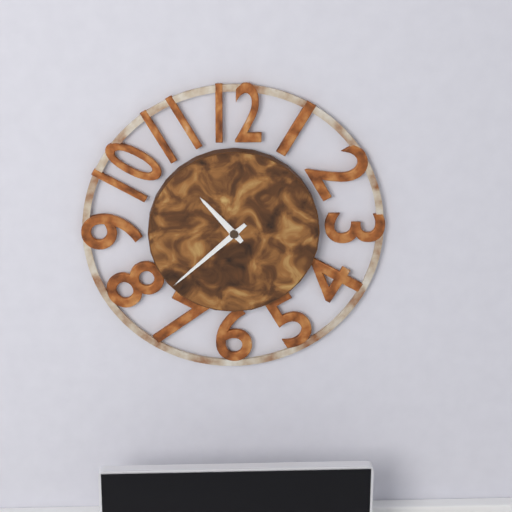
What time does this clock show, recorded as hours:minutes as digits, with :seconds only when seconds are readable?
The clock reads 10:38
